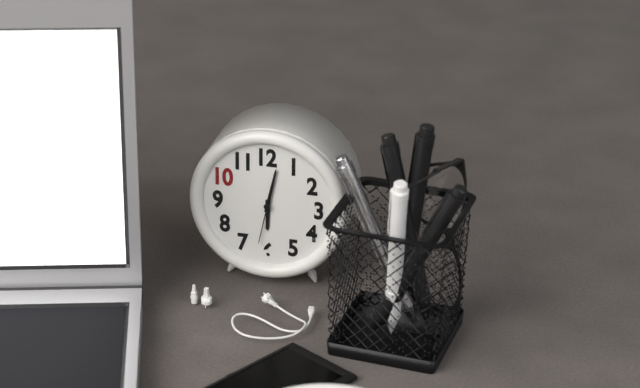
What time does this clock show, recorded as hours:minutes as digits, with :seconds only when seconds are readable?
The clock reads 6:02:32
